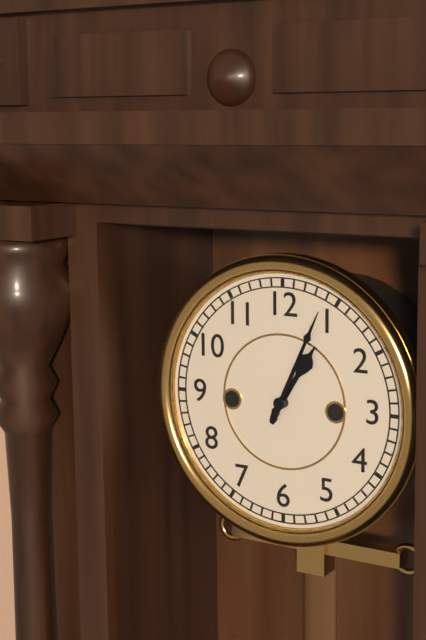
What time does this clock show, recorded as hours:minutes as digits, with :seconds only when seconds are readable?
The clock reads 1:04
